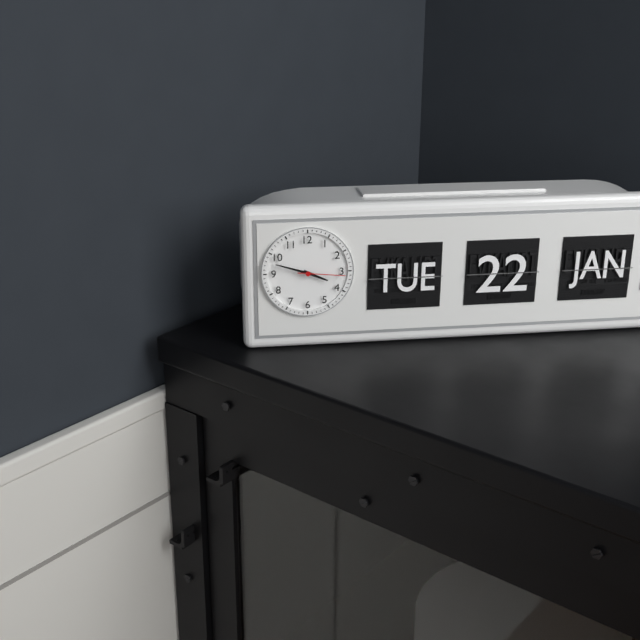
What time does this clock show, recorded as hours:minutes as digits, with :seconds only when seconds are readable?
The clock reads 3:48
